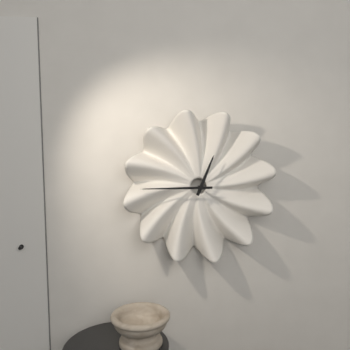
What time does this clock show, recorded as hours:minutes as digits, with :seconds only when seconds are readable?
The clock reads 12:45
